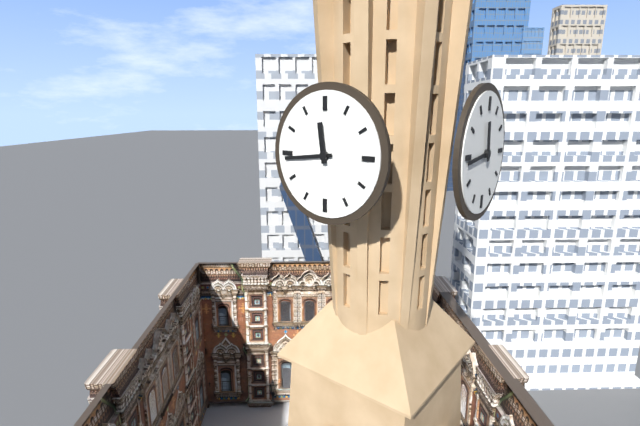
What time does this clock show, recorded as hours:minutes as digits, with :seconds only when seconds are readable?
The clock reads 11:44
